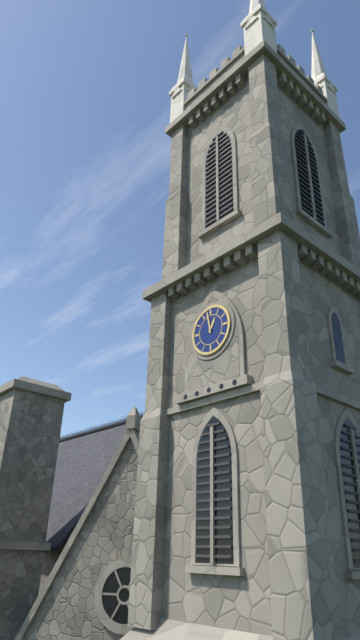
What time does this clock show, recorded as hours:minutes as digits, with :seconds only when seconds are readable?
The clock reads 12:58
